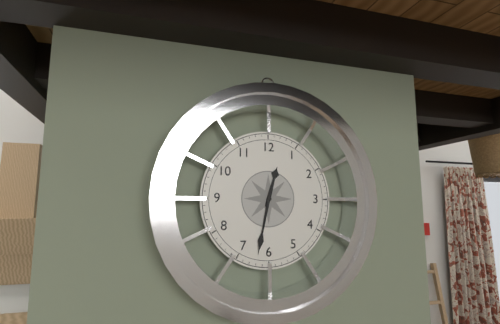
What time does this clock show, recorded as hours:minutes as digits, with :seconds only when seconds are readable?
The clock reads 12:32
